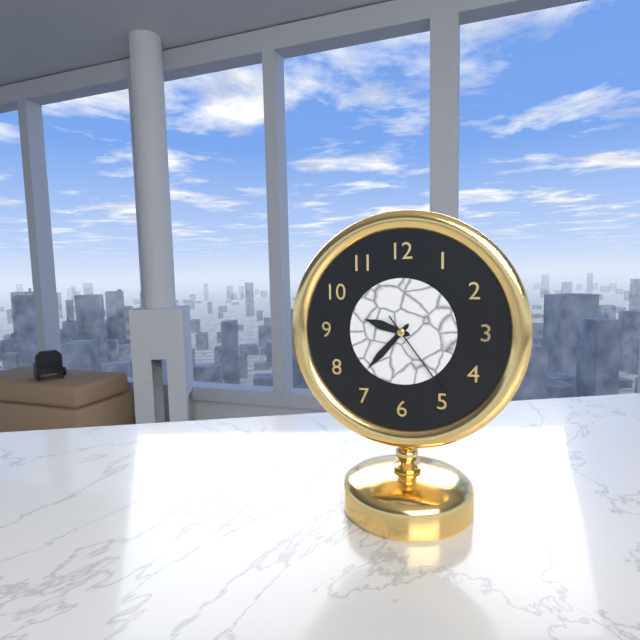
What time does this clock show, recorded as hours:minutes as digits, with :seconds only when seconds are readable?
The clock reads 9:37:24
